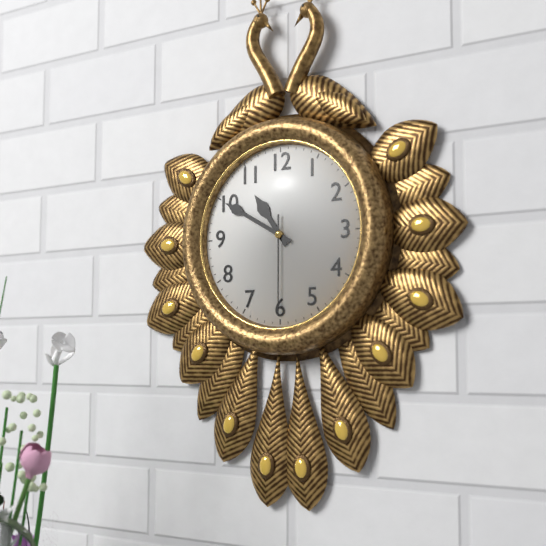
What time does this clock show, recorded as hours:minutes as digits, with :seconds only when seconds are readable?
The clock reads 10:50:30
